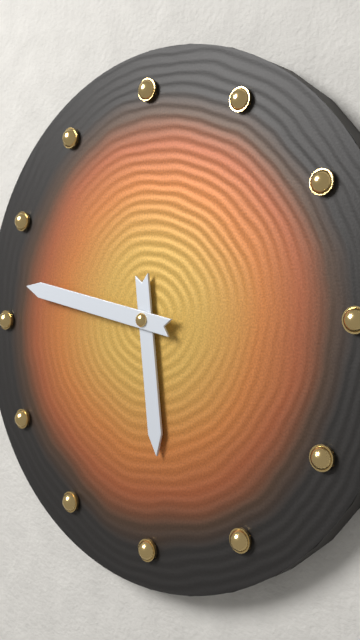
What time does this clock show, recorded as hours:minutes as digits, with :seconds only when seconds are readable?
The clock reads 5:47
